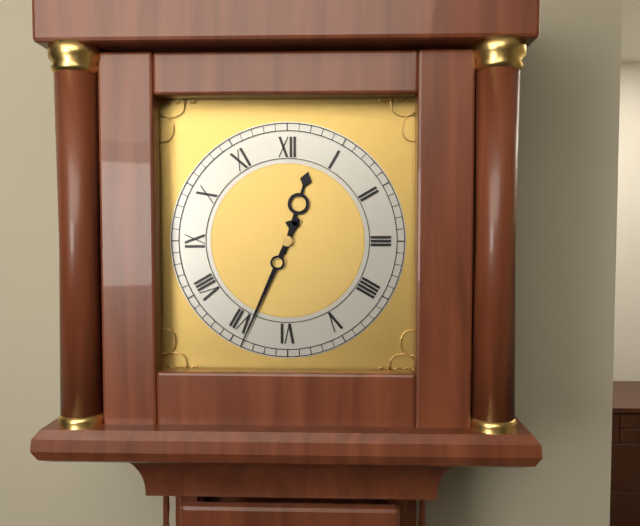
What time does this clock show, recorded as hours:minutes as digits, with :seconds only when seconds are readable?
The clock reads 12:34
